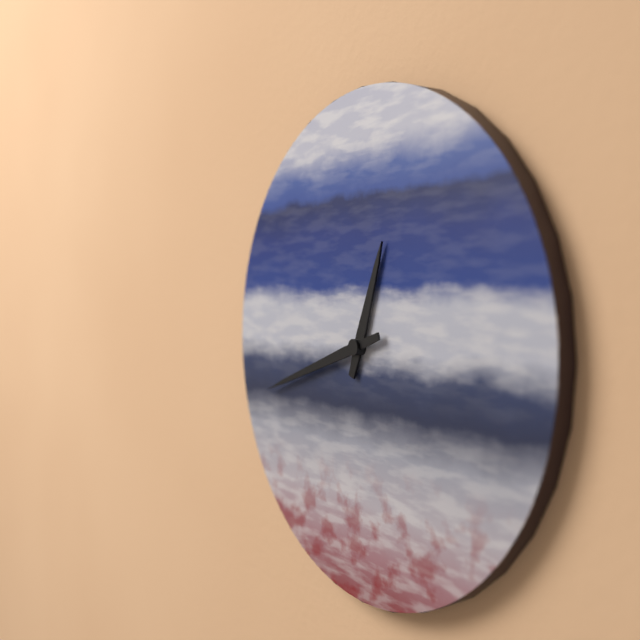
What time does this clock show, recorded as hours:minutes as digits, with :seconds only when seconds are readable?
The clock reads 12:42
